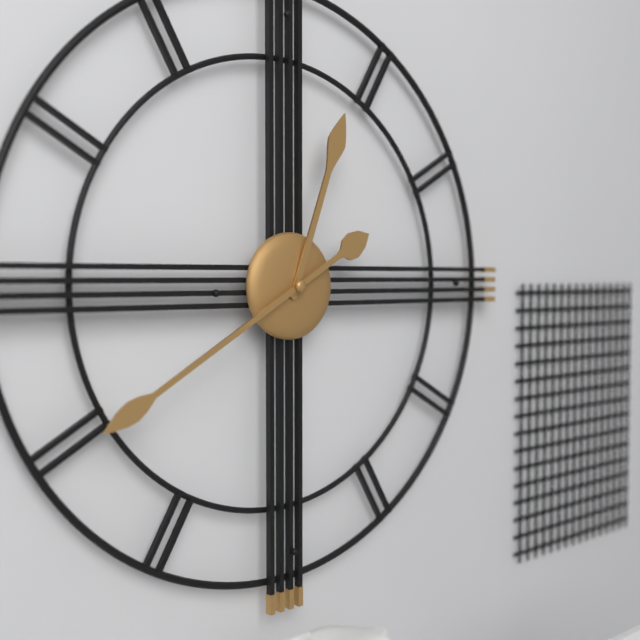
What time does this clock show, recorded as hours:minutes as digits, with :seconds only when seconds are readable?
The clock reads 12:40
